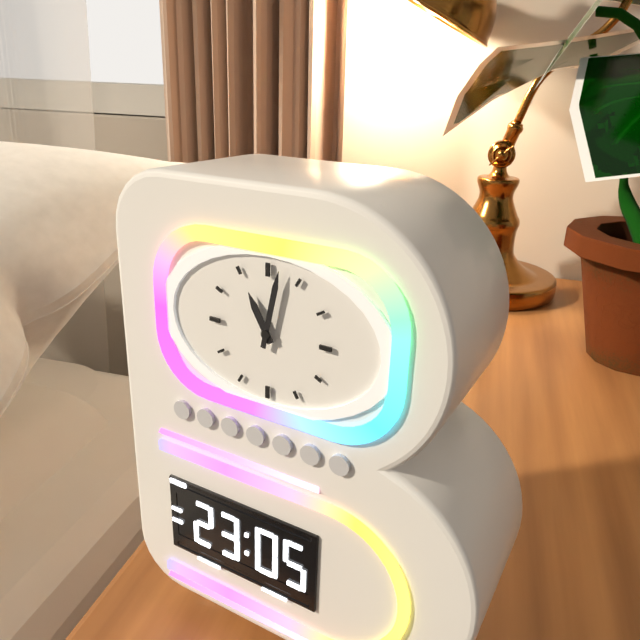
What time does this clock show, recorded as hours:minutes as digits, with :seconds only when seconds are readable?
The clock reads 11:02
